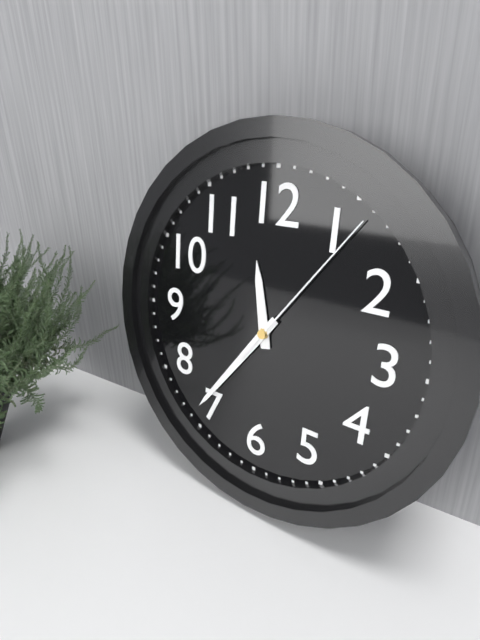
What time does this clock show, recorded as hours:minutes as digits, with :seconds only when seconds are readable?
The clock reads 11:36:06
